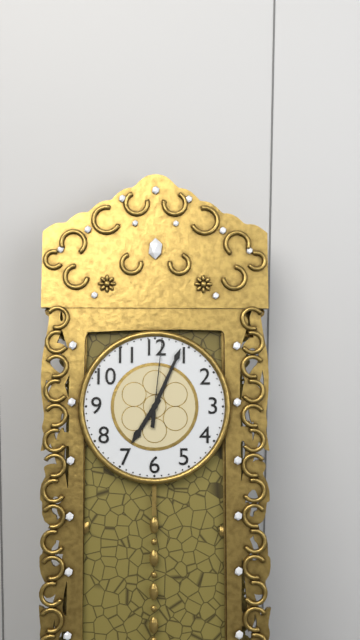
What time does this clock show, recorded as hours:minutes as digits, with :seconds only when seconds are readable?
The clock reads 7:04:01
